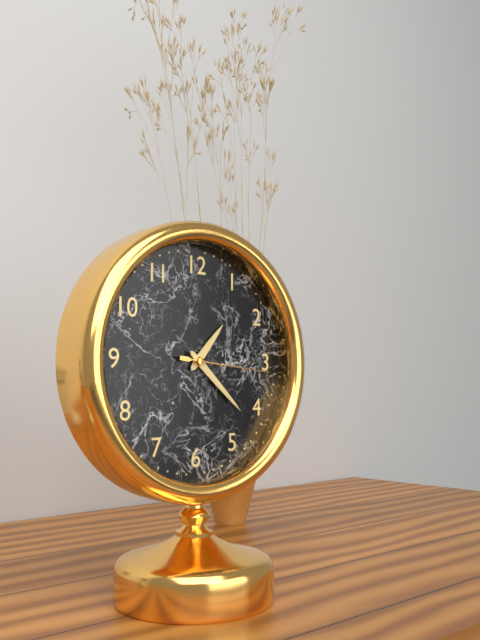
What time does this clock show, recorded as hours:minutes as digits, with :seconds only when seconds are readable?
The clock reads 1:22:16
